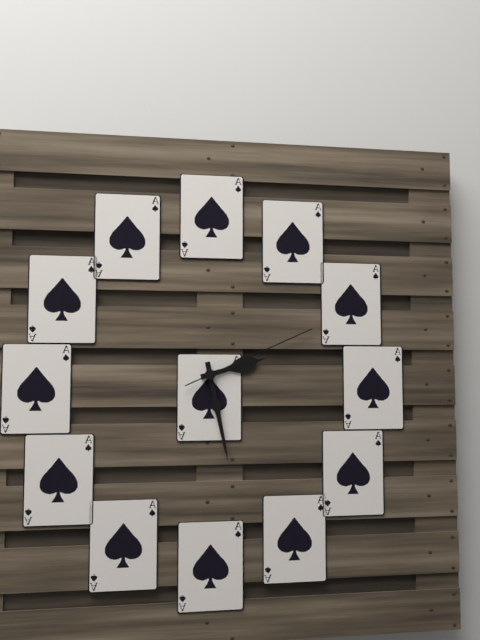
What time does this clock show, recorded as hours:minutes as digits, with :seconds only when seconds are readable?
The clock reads 2:28:11
